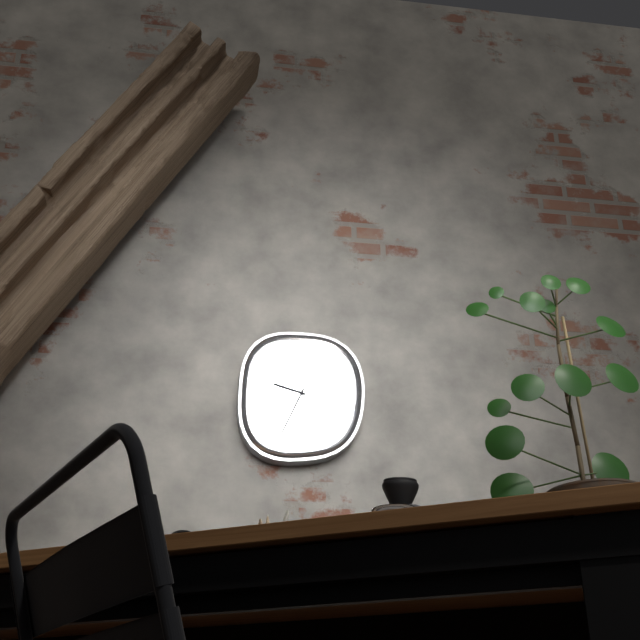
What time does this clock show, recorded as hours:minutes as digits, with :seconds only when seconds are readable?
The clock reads 9:34
